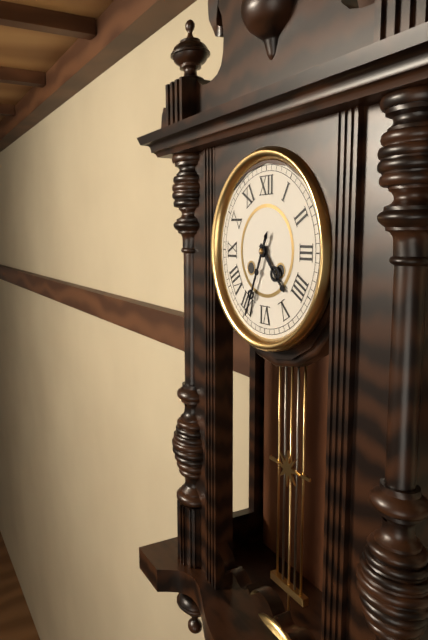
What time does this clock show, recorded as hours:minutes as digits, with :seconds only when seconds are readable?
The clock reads 4:34
